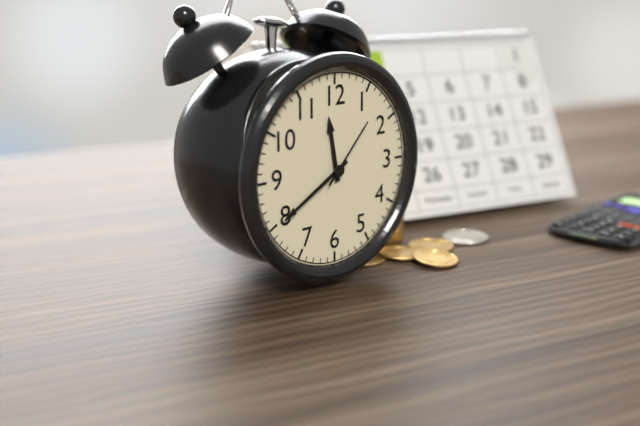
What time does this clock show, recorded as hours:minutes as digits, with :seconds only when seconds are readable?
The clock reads 11:40:07
